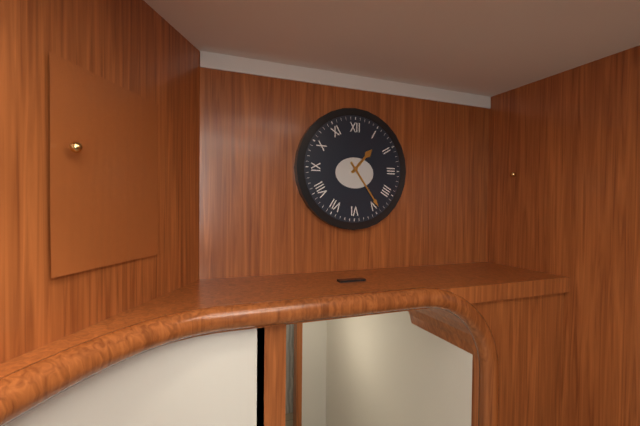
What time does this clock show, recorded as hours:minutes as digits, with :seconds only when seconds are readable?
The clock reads 1:24
